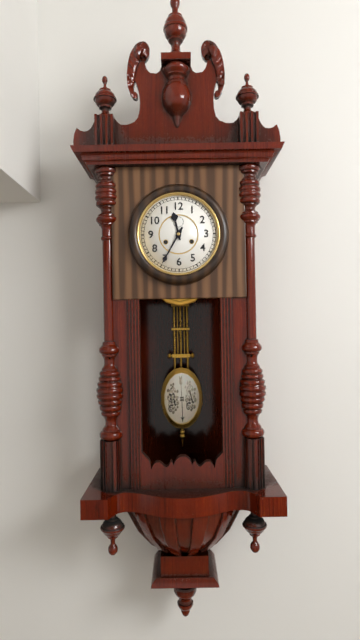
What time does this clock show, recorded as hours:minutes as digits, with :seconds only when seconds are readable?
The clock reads 11:35
